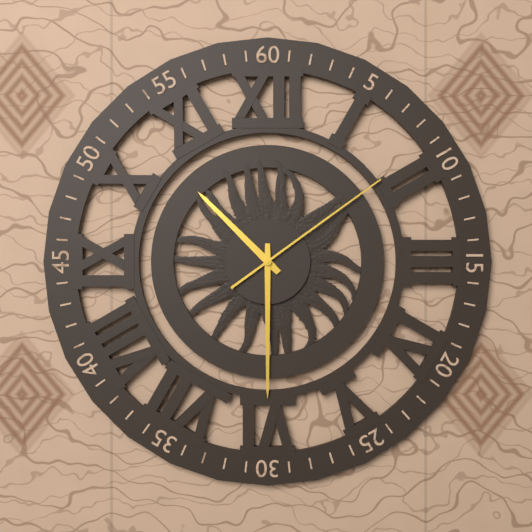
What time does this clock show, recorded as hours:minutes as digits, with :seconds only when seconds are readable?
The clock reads 10:30:09
